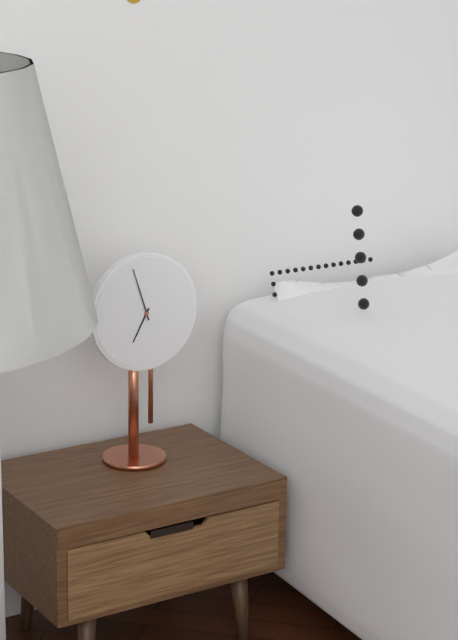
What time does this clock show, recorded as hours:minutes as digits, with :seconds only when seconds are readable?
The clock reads 6:57
